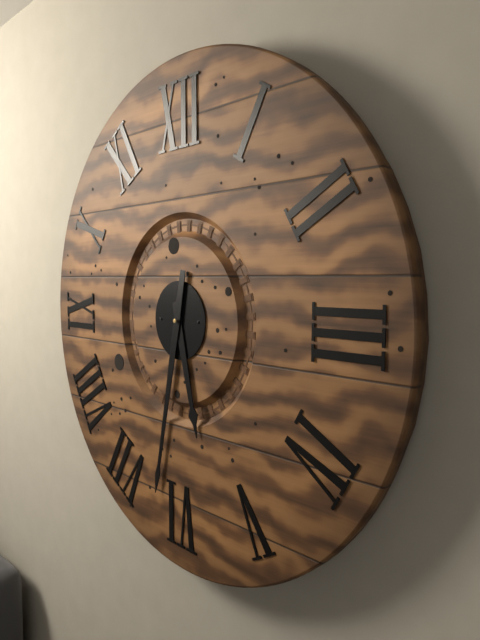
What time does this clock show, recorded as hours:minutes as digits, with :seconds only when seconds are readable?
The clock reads 5:32
